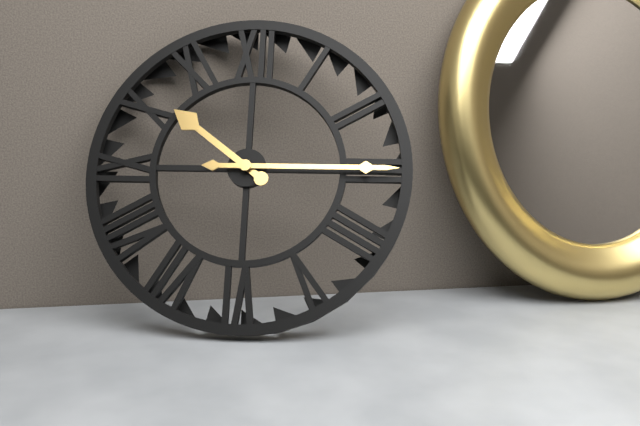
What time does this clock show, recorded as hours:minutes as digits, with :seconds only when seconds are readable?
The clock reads 10:15
